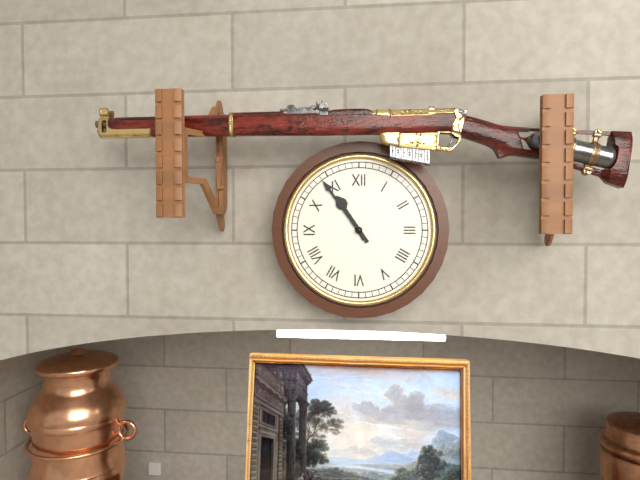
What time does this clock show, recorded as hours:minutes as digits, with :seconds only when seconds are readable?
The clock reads 10:54
